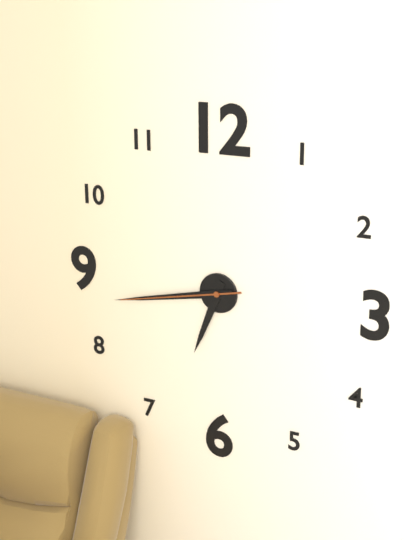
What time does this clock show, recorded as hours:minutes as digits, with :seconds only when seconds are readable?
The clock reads 6:43:43
